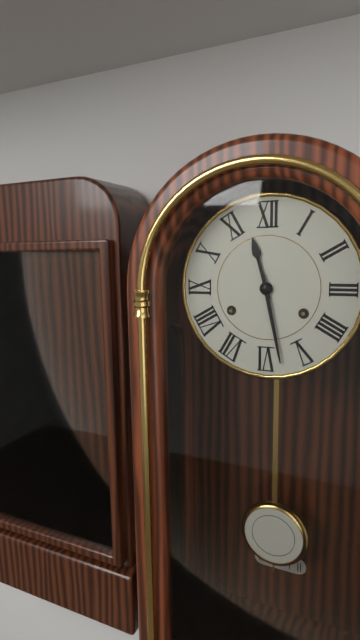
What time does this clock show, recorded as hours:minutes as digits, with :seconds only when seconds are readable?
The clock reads 11:28
